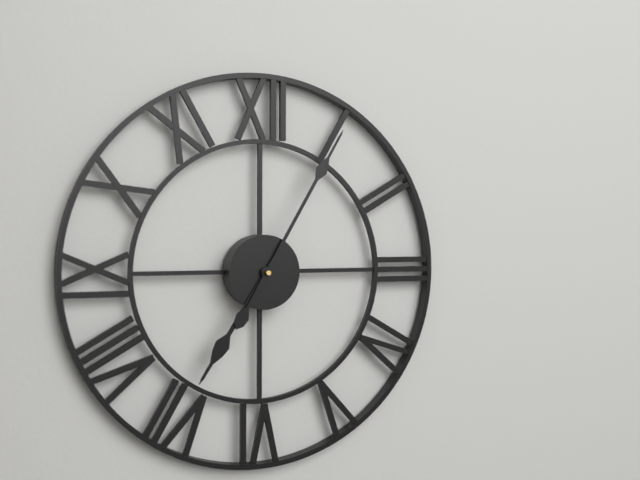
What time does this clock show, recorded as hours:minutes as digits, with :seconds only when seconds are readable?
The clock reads 7:05
